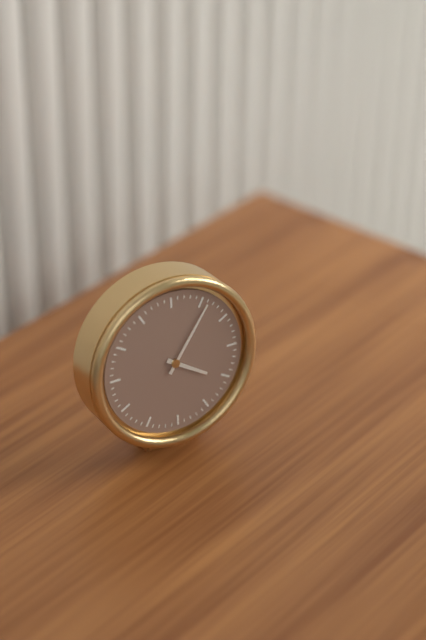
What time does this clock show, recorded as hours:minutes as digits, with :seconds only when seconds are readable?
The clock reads 4:06
